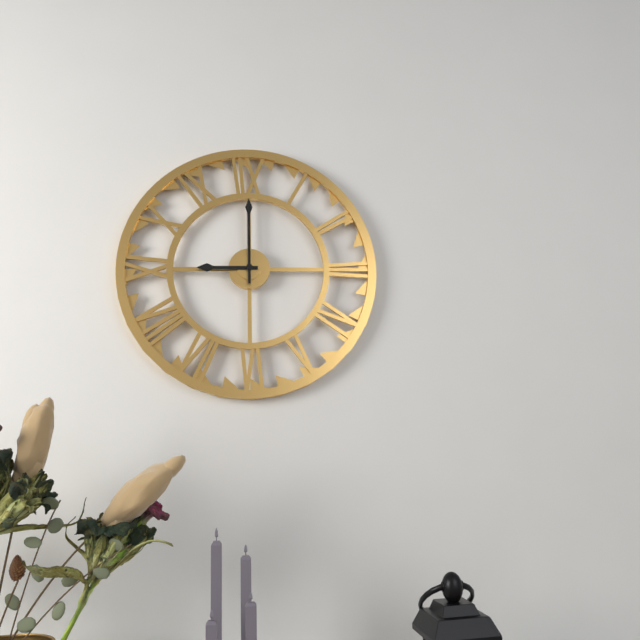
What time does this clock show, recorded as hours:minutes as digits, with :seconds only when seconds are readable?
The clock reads 9:00
